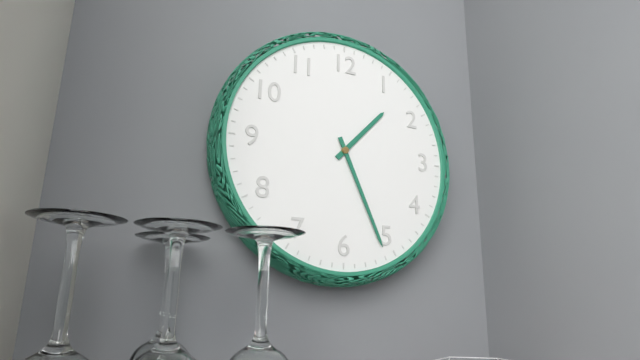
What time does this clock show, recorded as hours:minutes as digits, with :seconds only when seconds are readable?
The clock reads 1:26
